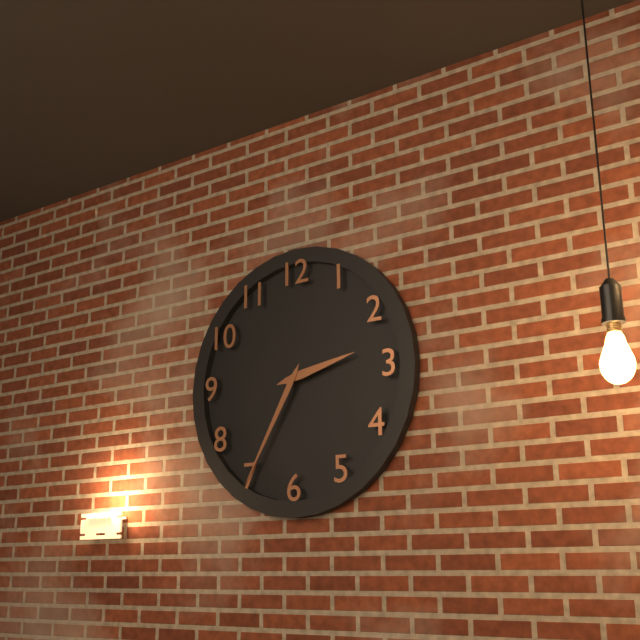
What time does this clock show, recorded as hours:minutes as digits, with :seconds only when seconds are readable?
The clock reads 2:35
